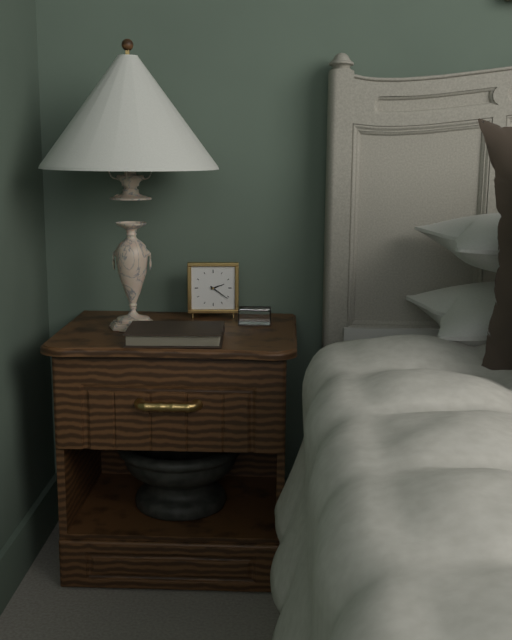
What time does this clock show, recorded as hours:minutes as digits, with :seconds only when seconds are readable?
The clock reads 2:21
